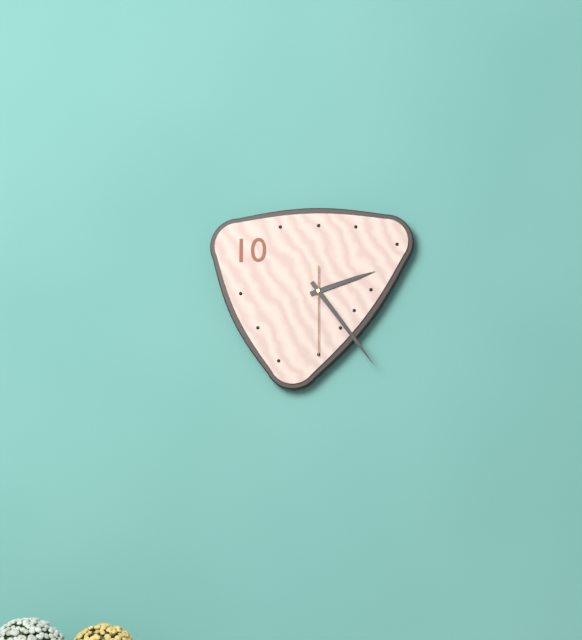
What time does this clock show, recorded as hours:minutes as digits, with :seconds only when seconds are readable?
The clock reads 2:24:30
